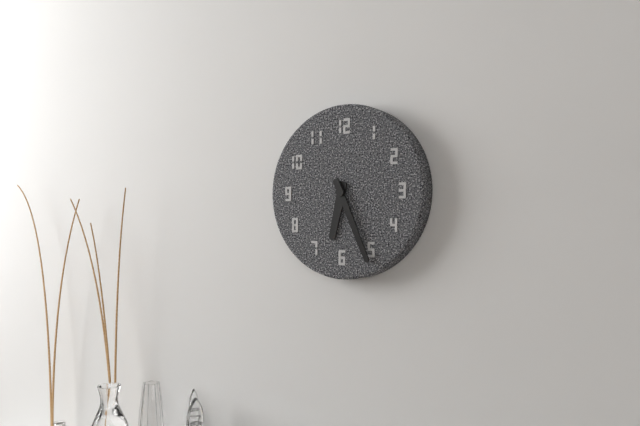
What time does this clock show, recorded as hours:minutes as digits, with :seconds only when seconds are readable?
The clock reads 6:26
